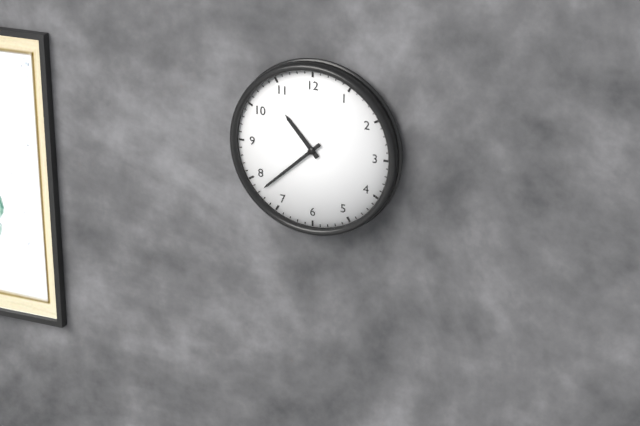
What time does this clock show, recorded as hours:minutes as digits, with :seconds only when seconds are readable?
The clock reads 10:38
